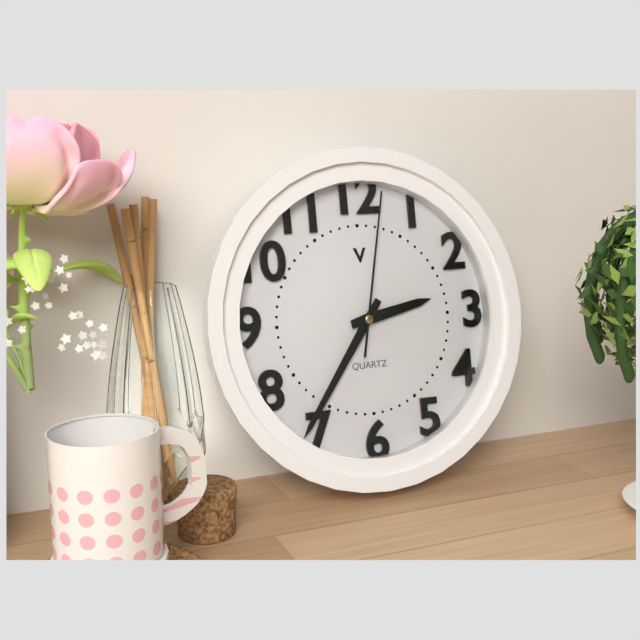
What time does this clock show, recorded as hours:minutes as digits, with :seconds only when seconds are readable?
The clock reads 2:36:02
